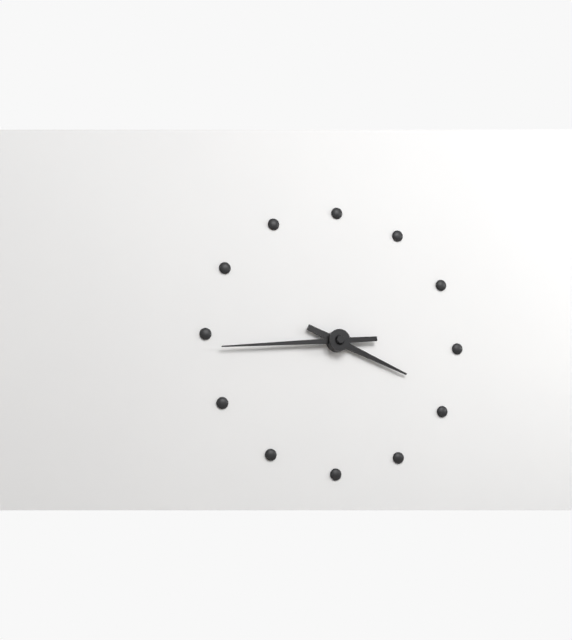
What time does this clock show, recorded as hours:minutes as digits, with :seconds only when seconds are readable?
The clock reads 3:44
